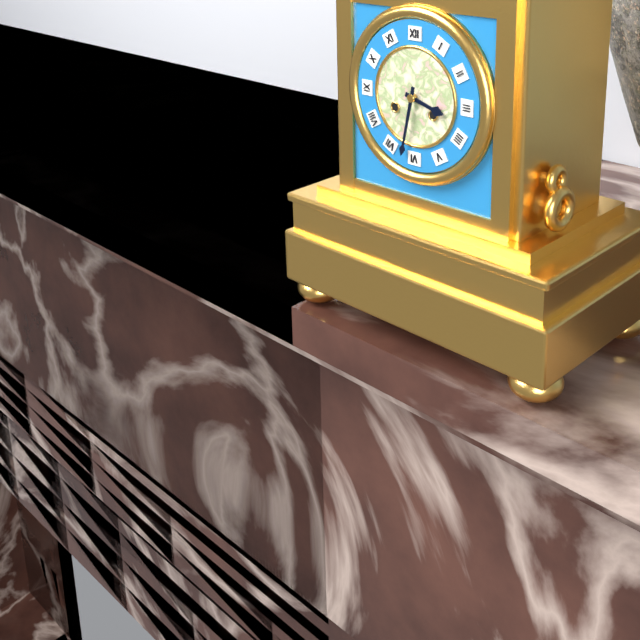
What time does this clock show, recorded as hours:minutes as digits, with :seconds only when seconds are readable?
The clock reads 3:32
